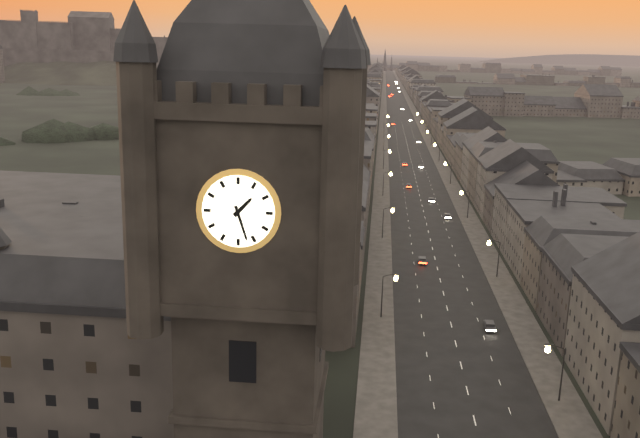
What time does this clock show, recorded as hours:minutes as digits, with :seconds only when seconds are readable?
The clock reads 1:27
